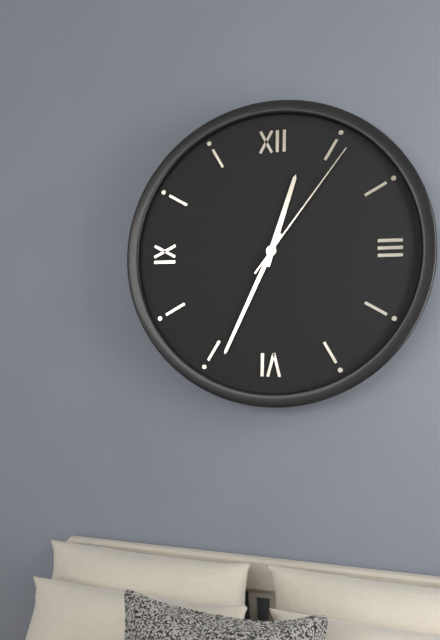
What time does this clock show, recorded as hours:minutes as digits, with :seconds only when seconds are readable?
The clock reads 12:34:06
